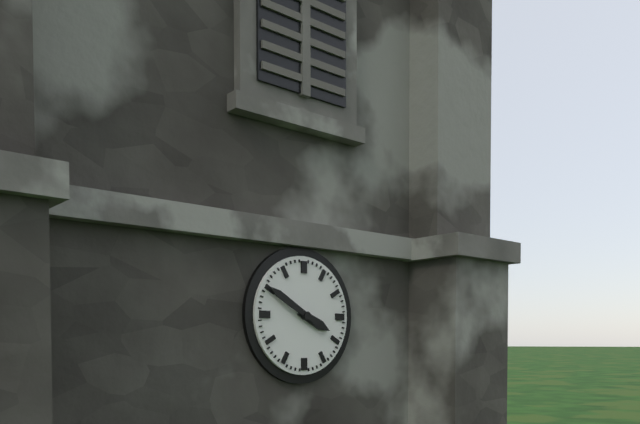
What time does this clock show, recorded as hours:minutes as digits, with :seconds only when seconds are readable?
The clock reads 3:50
